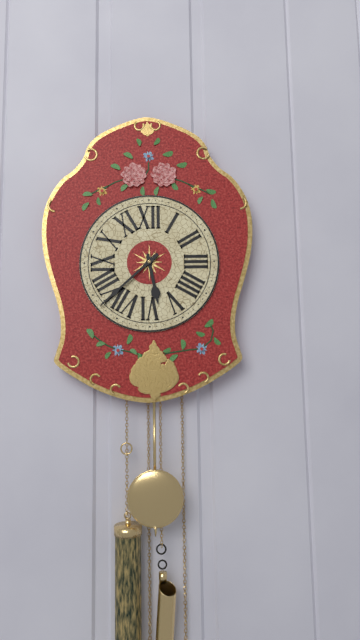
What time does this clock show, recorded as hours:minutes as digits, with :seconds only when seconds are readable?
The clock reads 5:38
